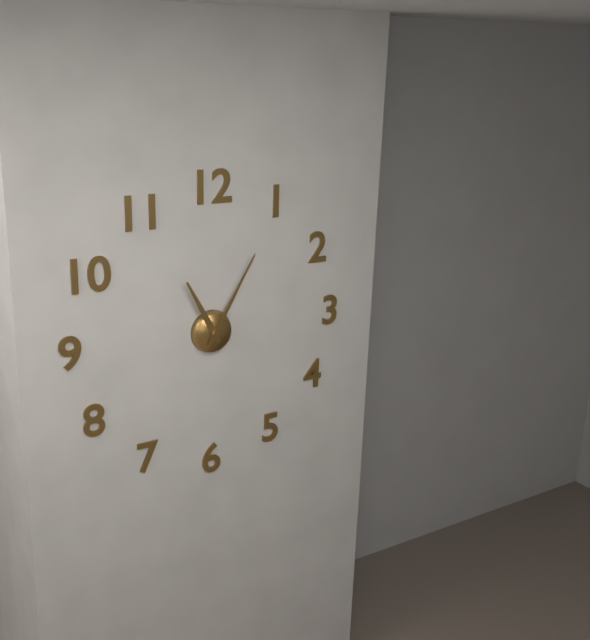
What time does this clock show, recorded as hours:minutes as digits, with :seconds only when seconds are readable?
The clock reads 11:05
